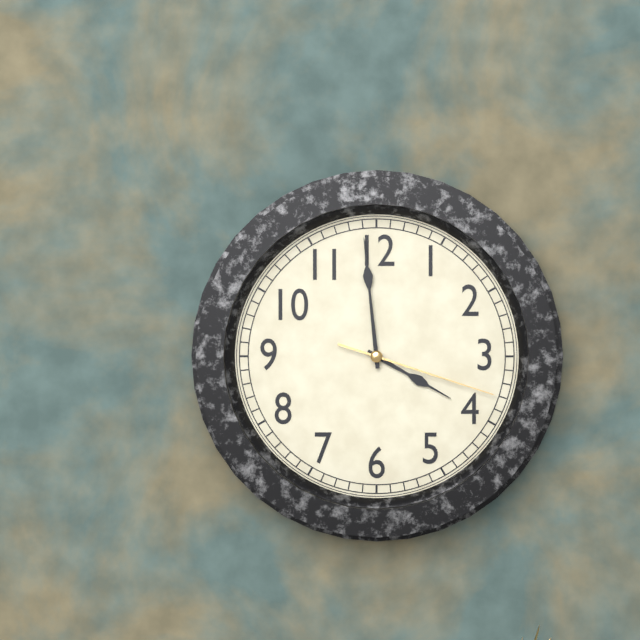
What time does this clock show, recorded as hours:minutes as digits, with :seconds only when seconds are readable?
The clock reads 3:59:18
